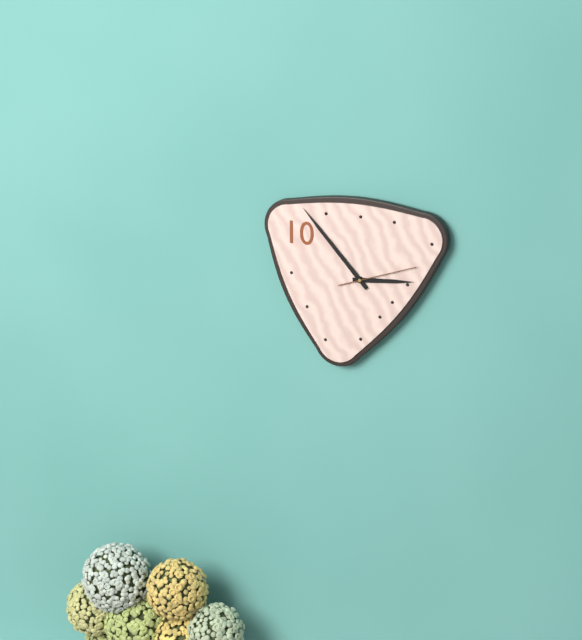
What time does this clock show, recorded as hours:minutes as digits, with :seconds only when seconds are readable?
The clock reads 2:53:12
